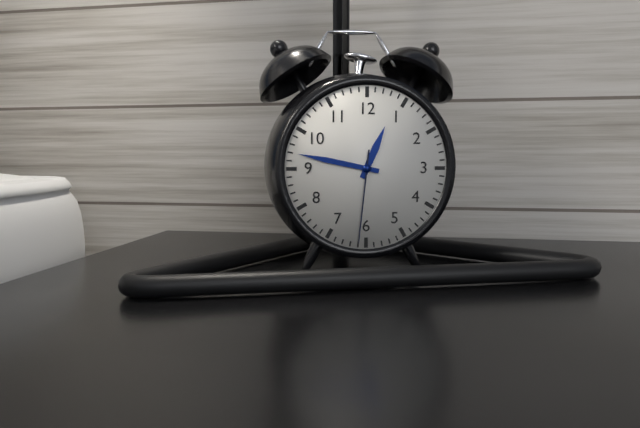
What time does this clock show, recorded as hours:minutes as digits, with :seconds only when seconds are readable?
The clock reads 12:47:31
